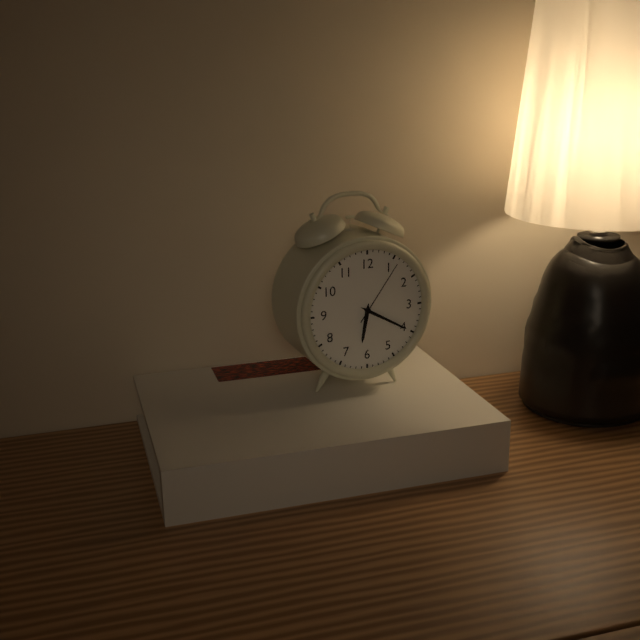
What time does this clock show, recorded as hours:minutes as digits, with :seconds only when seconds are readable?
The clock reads 6:20:06
